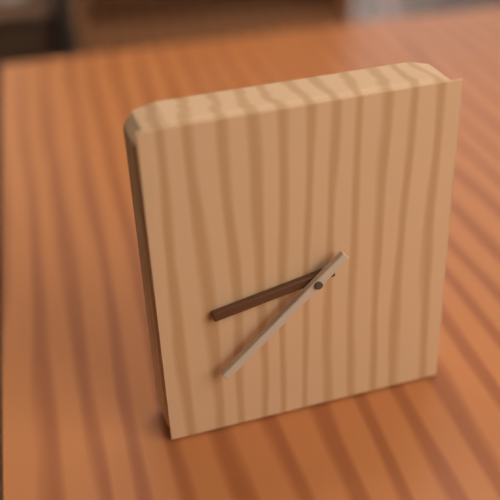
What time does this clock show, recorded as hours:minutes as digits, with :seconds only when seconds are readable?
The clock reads 8:38
